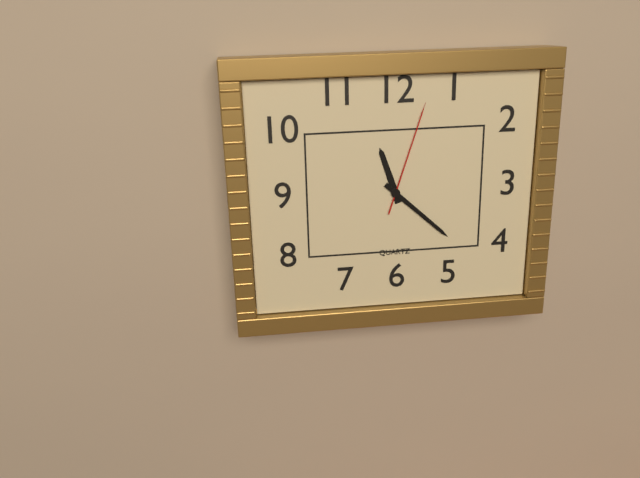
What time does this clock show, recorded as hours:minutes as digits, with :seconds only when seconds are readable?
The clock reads 11:22:03
